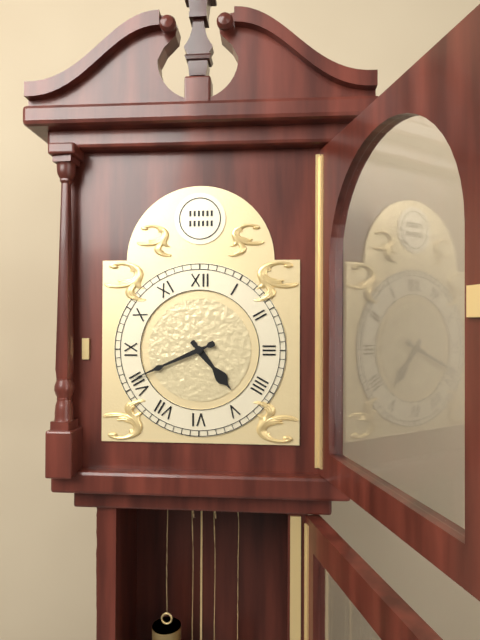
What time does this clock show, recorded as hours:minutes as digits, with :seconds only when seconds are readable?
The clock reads 4:41
